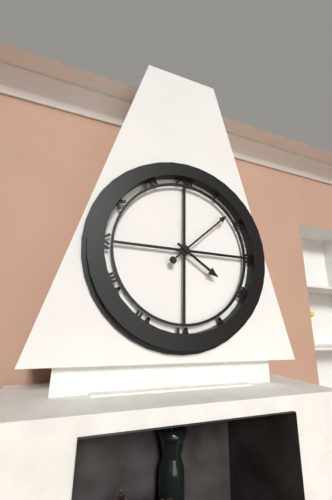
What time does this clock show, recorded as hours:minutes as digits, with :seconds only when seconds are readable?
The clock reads 4:08
